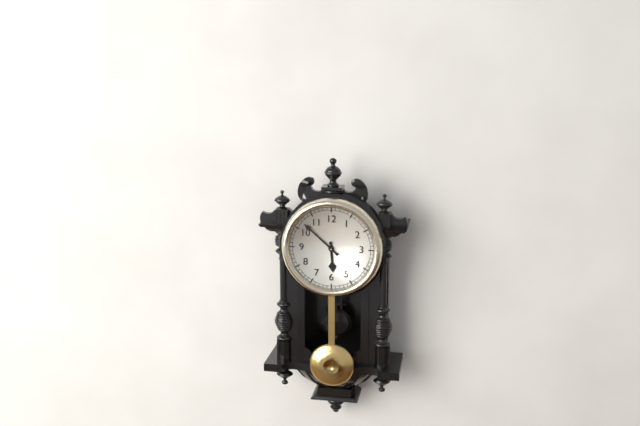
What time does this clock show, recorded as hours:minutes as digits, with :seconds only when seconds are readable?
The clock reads 5:52
